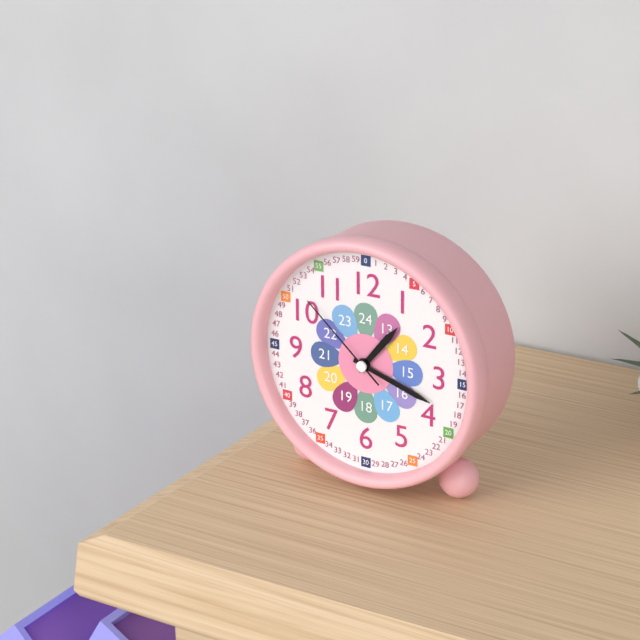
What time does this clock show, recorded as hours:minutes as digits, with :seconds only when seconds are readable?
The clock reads 1:18:52
